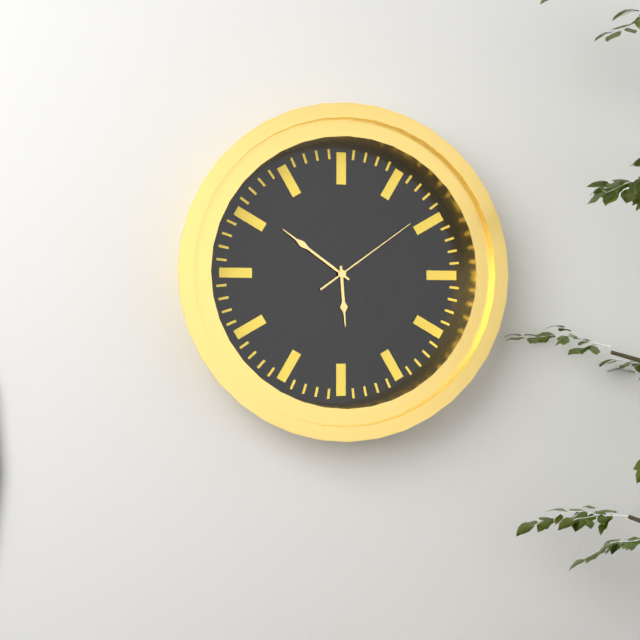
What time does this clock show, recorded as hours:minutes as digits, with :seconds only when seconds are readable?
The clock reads 5:51:09
